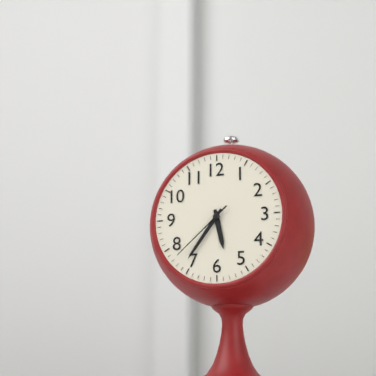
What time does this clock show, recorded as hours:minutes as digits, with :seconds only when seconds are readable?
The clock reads 5:36:38
